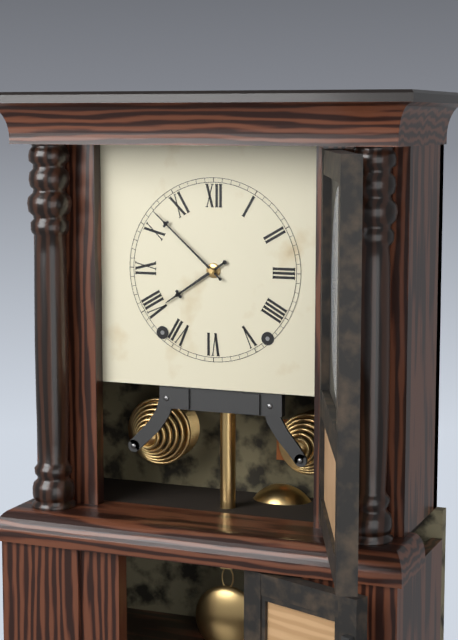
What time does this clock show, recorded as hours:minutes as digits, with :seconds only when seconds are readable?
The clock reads 7:52
